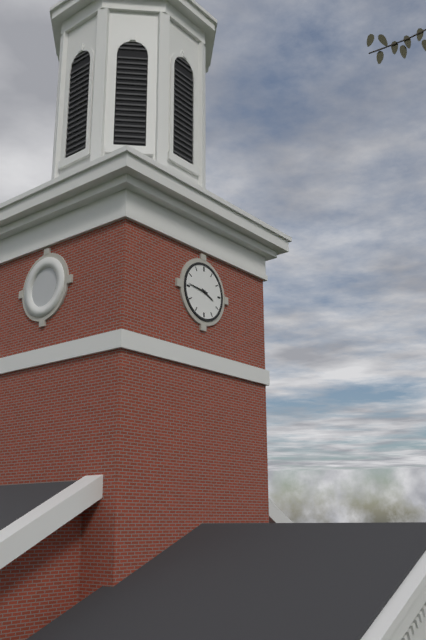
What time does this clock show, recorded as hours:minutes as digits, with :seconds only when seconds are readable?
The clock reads 3:46
